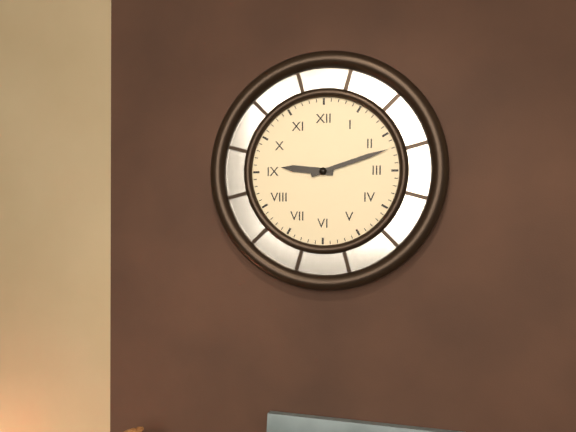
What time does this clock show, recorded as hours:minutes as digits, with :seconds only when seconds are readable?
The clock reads 9:12
